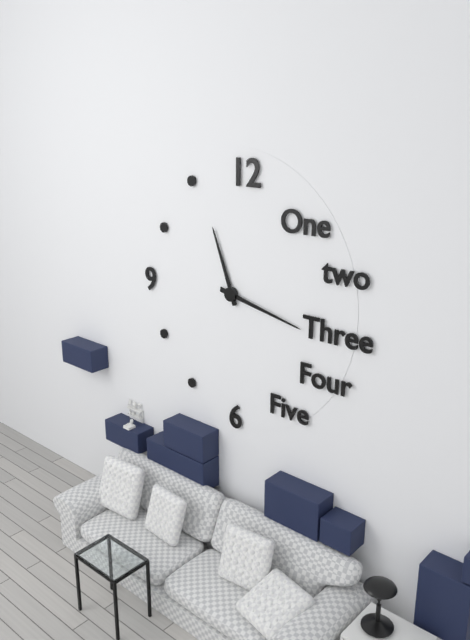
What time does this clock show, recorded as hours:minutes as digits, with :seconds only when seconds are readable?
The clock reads 11:17
